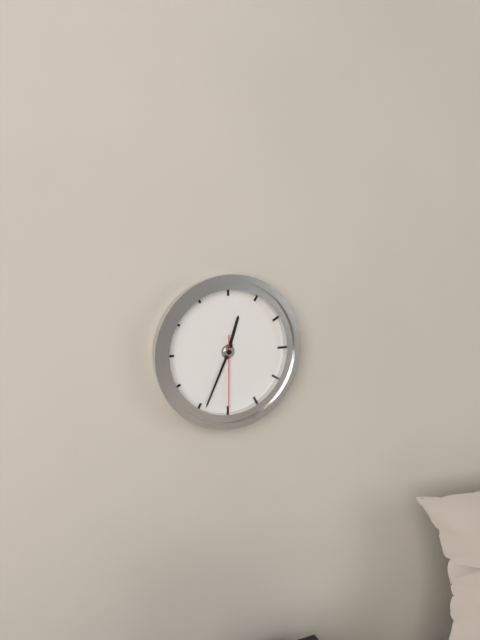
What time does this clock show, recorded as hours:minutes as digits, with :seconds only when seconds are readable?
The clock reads 12:34:30
